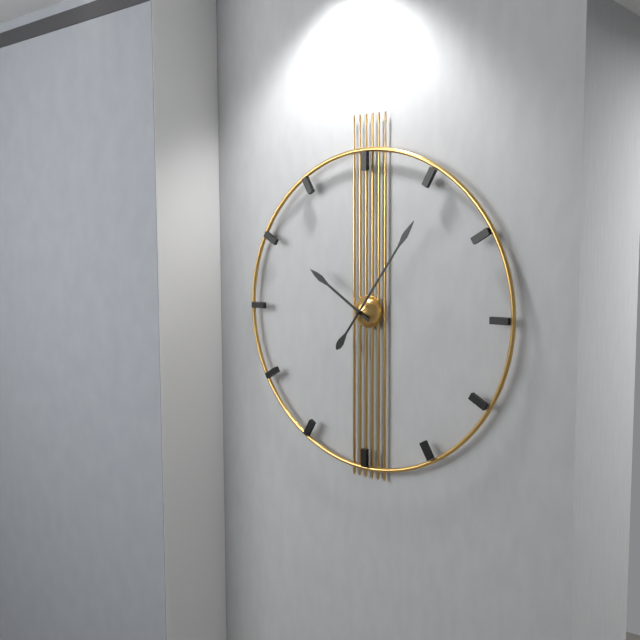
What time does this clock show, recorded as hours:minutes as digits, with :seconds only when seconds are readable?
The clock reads 10:06
